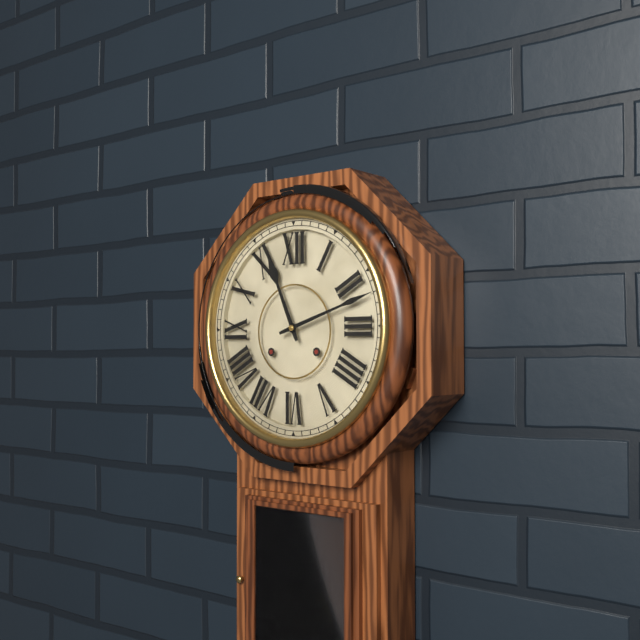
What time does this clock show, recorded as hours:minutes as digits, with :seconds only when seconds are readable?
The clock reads 11:12
